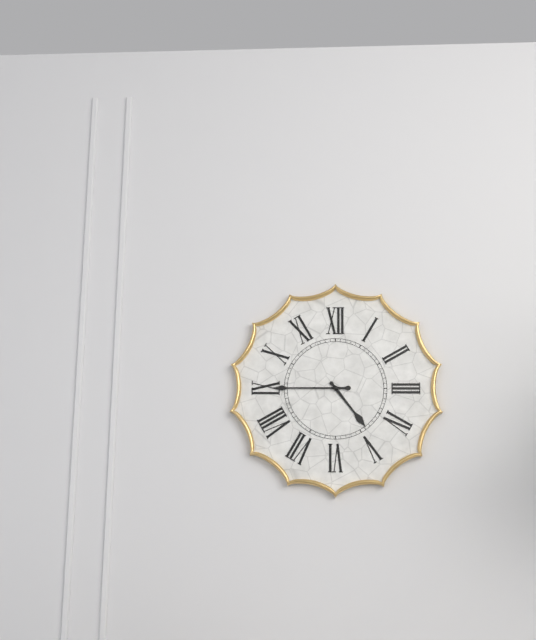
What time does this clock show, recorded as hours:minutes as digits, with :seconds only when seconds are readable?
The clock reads 4:45
